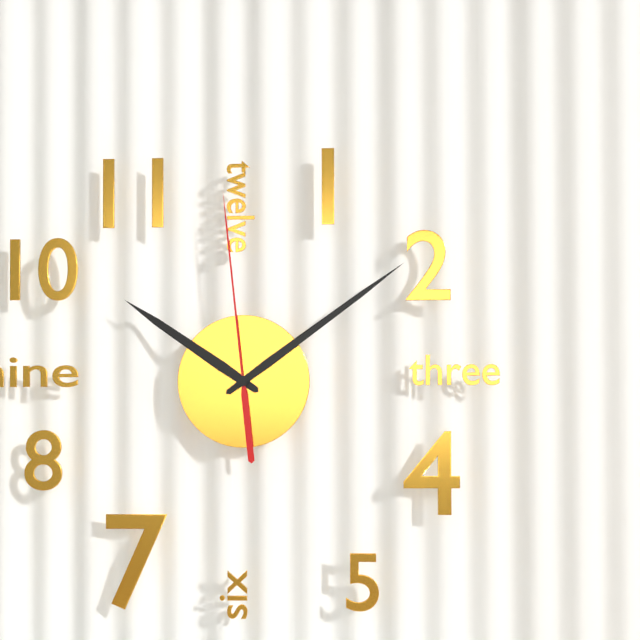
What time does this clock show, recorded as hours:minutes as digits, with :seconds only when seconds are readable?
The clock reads 10:09:59
